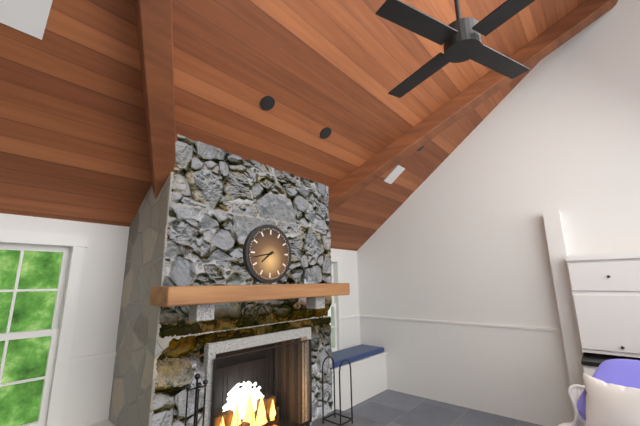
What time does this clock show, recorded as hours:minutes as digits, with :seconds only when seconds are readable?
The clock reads 7:43
